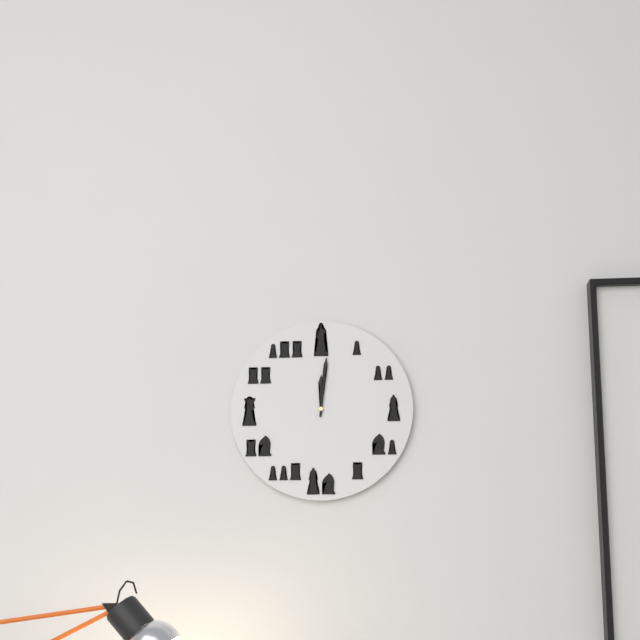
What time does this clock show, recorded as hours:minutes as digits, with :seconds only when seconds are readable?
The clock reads 12:01
